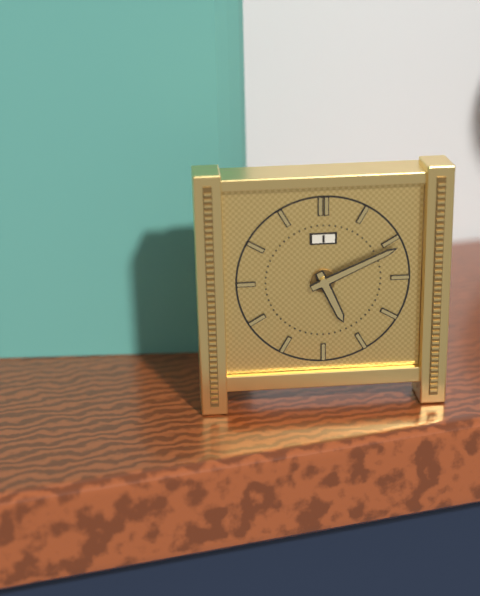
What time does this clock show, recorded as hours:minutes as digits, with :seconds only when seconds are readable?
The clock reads 5:11
